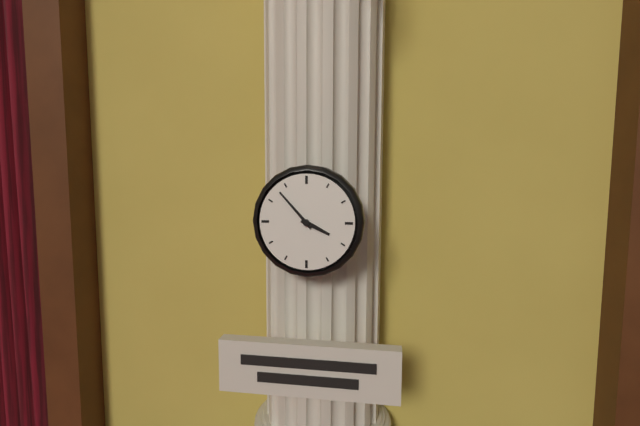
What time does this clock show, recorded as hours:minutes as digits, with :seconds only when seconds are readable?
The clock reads 3:53
